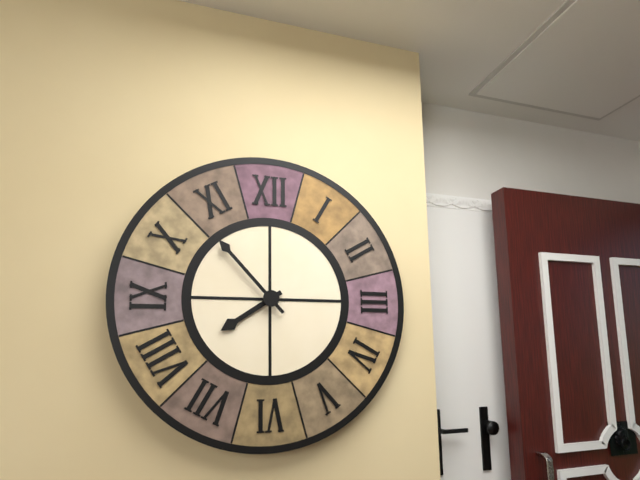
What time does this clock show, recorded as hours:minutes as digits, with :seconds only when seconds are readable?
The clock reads 7:53
